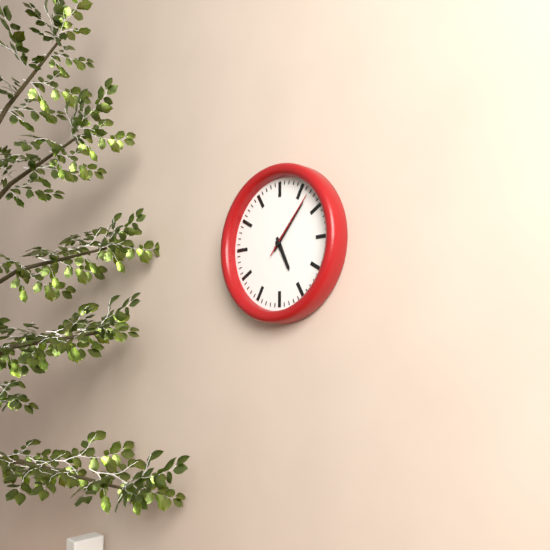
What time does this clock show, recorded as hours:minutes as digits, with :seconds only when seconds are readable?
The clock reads 5:07:07
